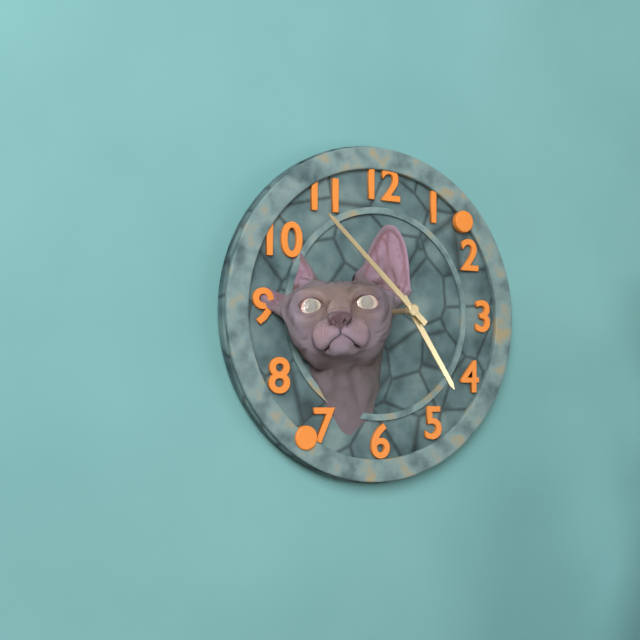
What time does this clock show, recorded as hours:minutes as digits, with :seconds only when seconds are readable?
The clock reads 4:52
